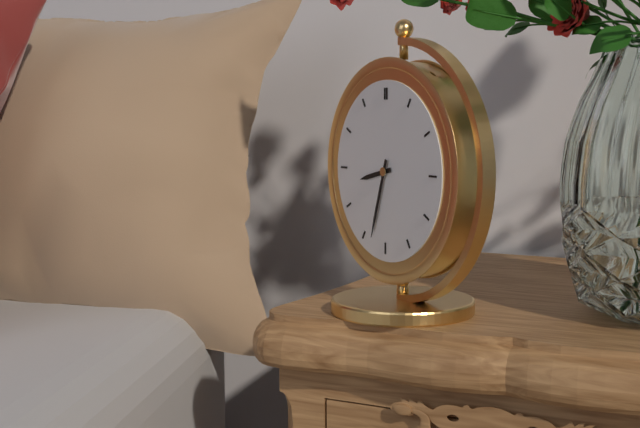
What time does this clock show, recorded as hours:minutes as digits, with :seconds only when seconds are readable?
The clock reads 8:33
